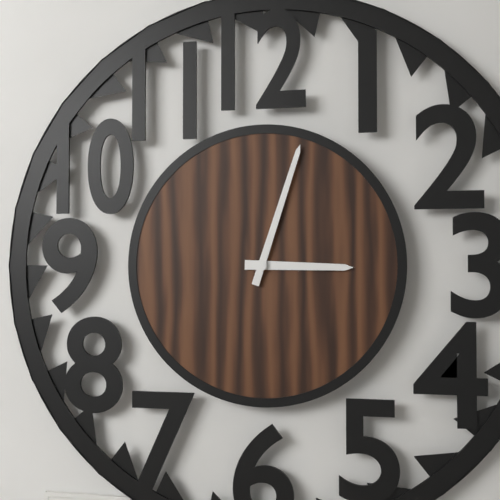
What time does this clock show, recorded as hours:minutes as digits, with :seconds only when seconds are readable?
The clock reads 3:03
